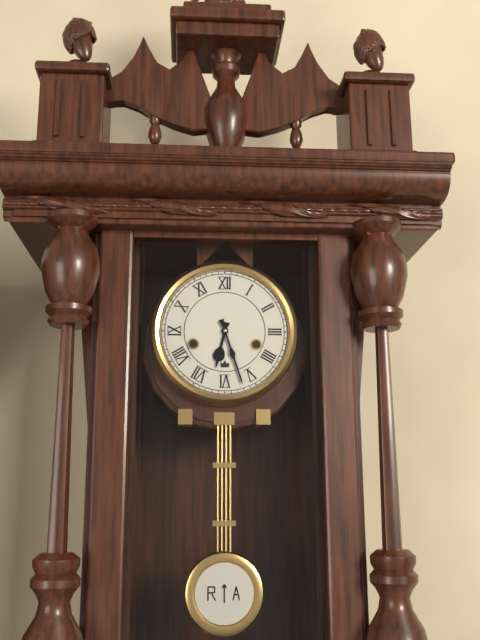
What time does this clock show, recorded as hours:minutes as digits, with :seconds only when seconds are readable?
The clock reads 6:27
